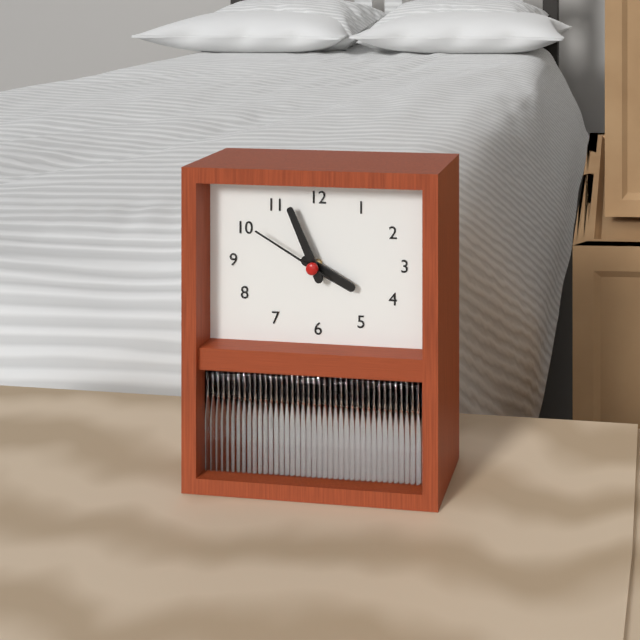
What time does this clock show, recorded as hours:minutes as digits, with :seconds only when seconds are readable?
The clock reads 3:56:50
